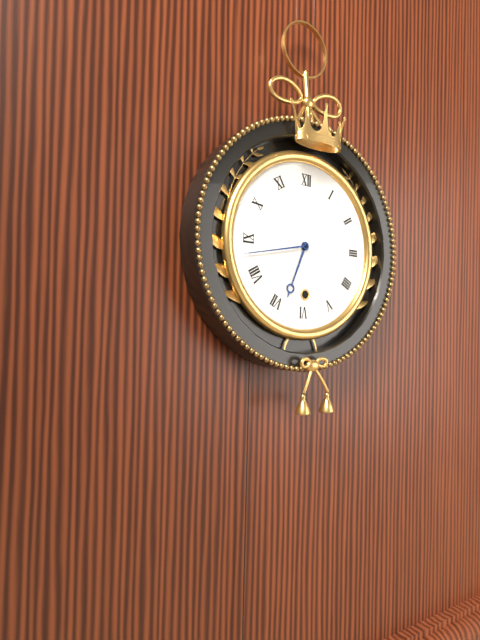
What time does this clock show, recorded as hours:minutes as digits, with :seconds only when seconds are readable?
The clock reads 6:43
